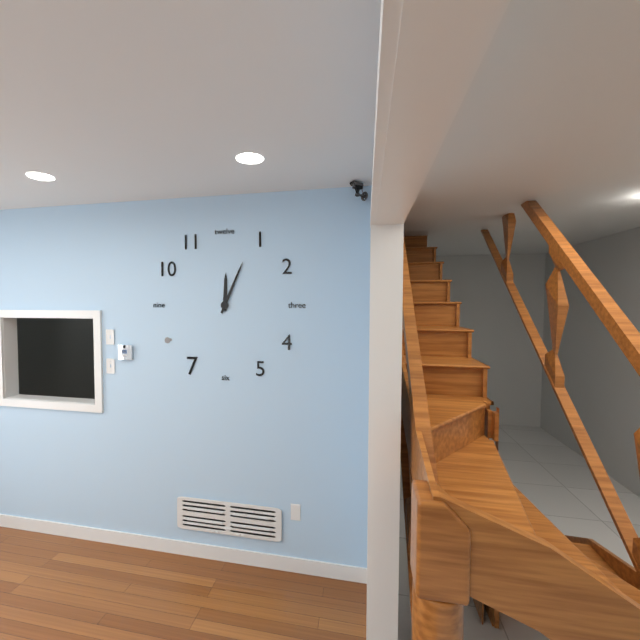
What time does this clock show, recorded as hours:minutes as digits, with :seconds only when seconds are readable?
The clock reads 12:04
